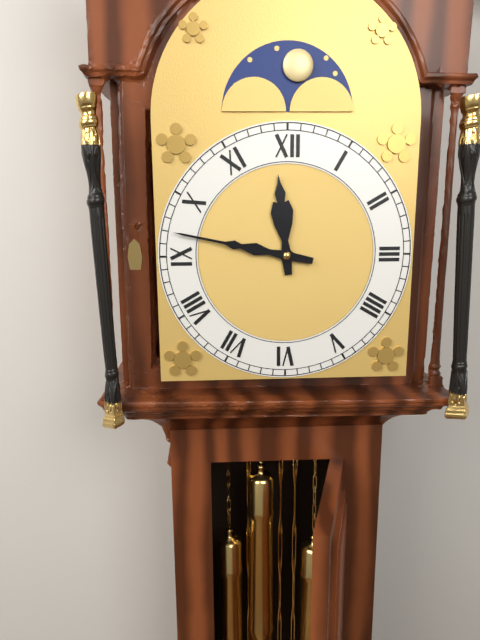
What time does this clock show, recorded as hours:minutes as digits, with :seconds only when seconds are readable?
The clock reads 11:47
